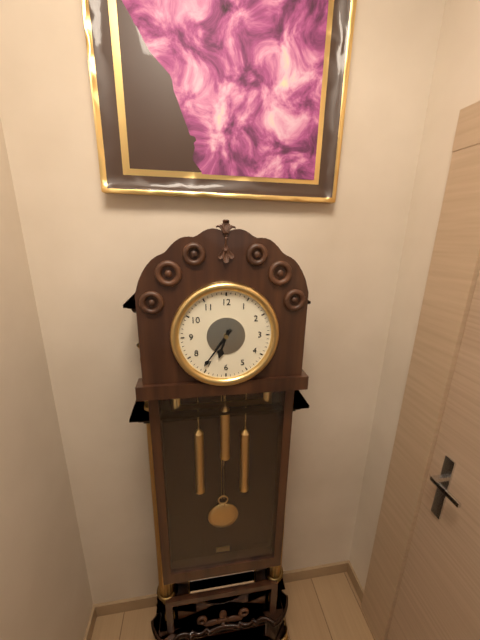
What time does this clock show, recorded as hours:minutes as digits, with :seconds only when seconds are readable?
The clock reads 6:36
